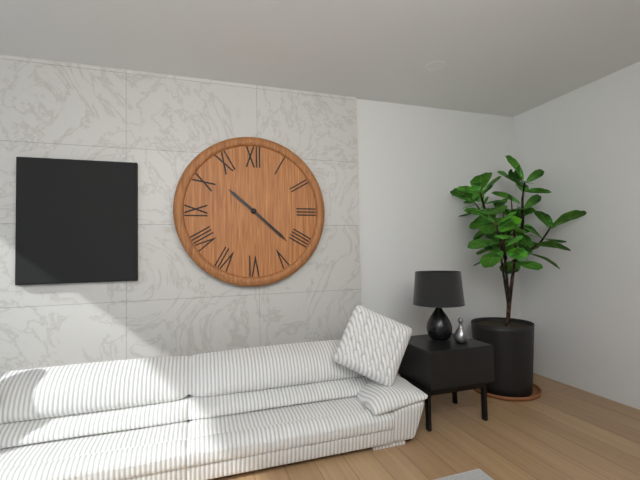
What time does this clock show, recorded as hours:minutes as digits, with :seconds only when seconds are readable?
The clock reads 10:22
